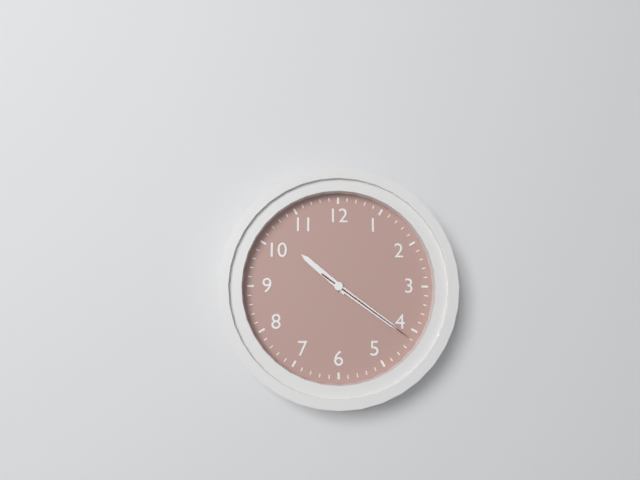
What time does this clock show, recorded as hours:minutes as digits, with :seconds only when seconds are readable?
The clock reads 10:21:21
